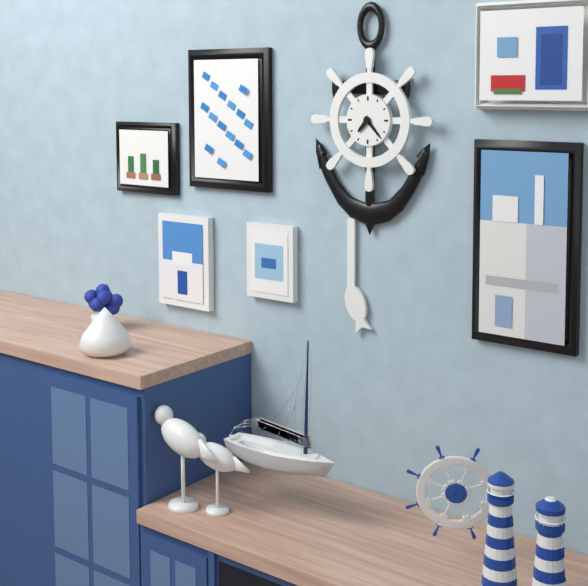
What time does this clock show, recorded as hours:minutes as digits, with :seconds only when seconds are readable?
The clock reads 7:23
